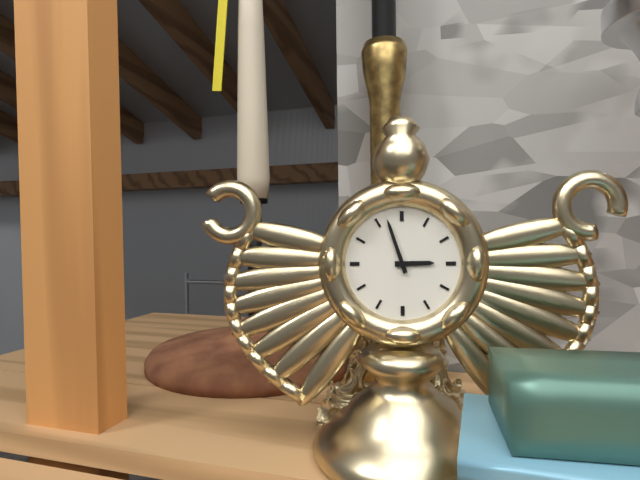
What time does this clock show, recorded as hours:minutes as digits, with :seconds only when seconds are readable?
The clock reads 2:57
